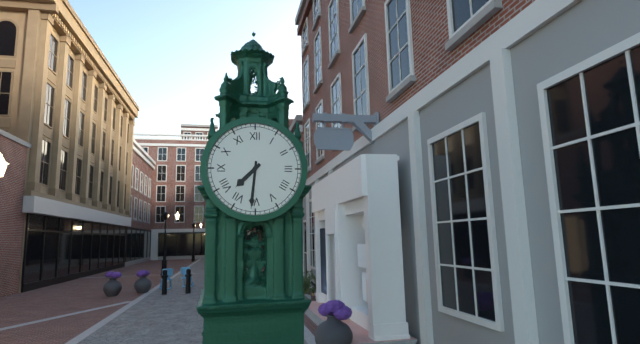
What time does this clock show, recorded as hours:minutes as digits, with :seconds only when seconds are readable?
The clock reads 7:31
